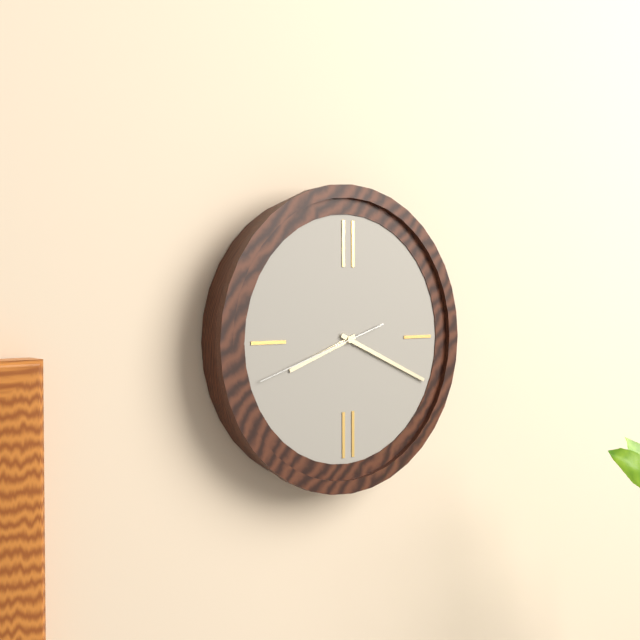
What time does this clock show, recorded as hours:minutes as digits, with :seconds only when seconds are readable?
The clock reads 8:19:42
